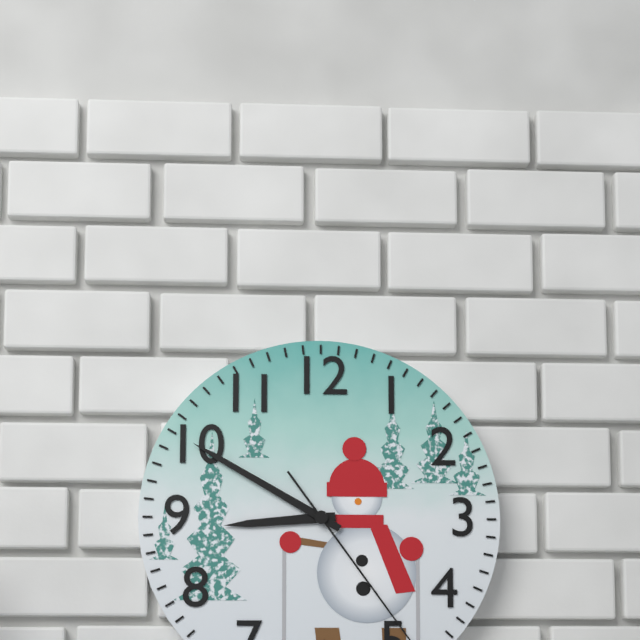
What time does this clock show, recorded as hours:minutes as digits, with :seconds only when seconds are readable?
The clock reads 8:50
